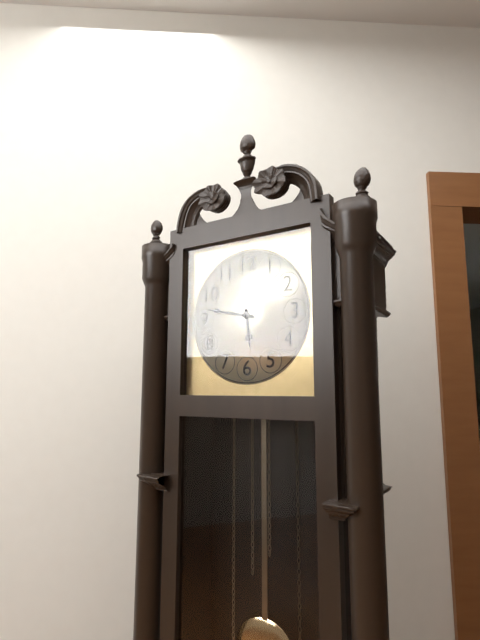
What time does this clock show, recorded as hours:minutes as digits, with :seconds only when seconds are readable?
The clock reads 5:47
